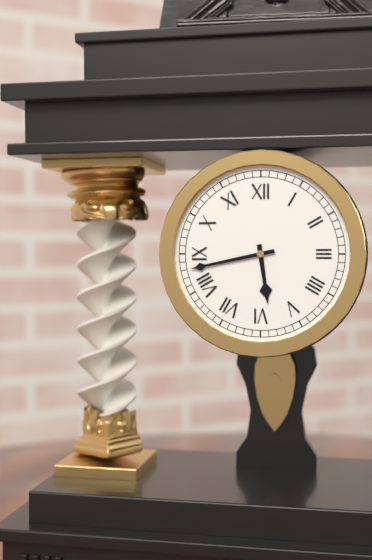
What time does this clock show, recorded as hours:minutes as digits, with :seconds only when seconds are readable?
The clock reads 5:43
